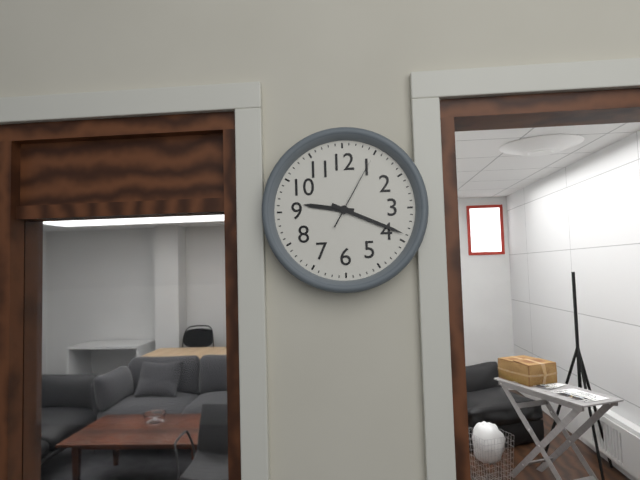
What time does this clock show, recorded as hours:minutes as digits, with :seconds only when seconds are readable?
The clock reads 9:19:05
